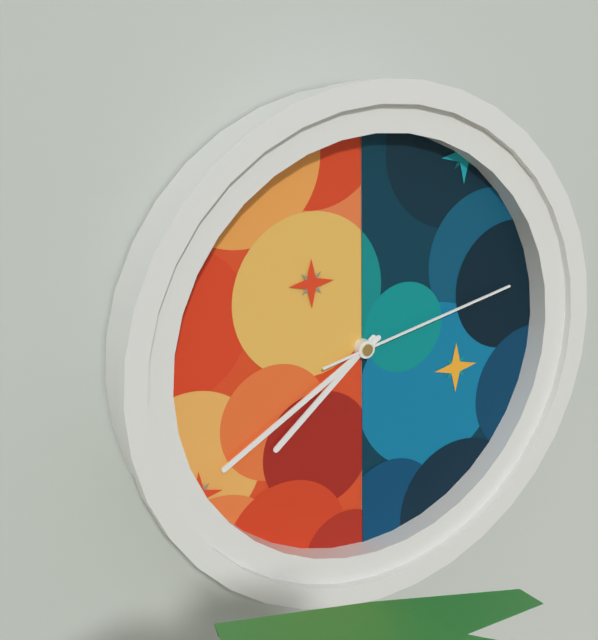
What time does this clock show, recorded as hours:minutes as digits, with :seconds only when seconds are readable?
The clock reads 7:40:13
